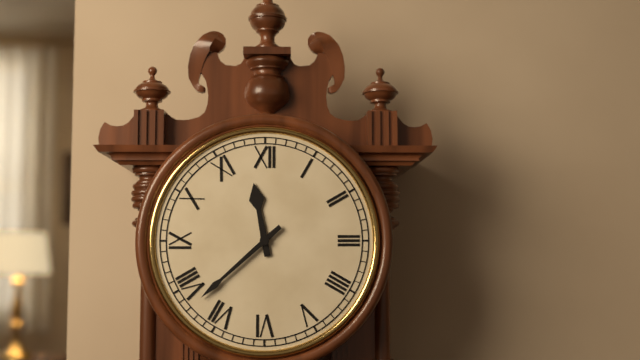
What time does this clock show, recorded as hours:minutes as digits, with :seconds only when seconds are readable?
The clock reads 11:38
